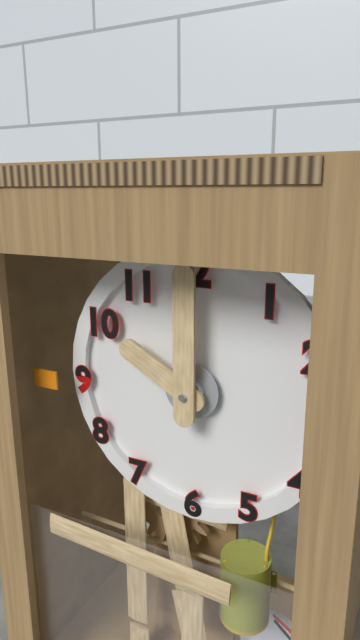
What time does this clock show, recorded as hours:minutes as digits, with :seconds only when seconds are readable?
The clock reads 10:00
